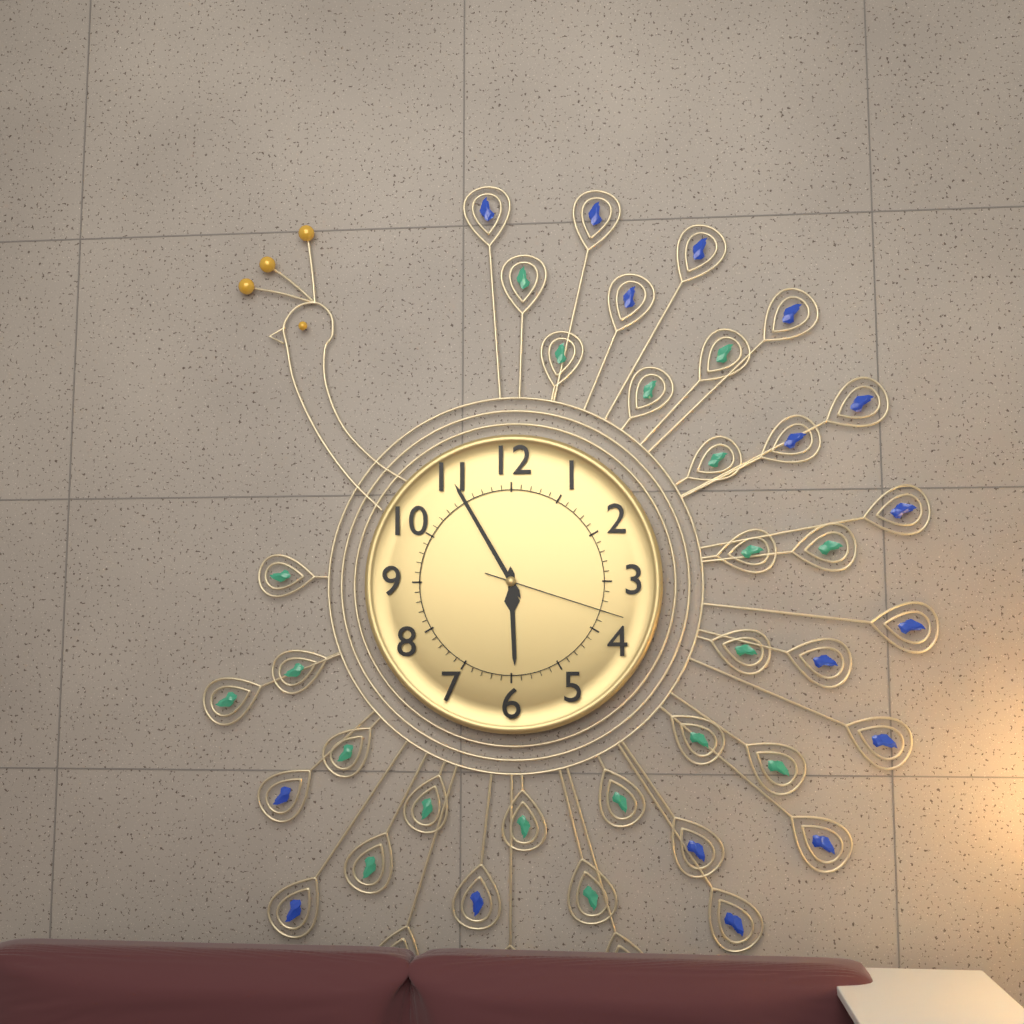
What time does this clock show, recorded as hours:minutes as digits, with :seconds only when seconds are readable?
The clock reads 5:55:18
